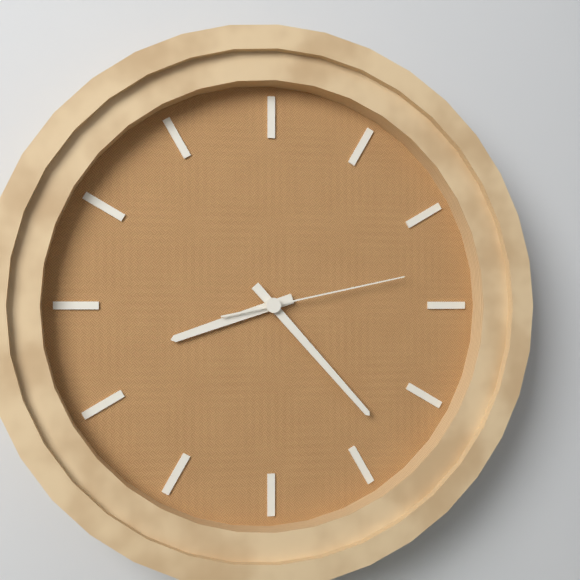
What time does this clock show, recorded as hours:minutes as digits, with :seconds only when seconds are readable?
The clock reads 8:23:13
